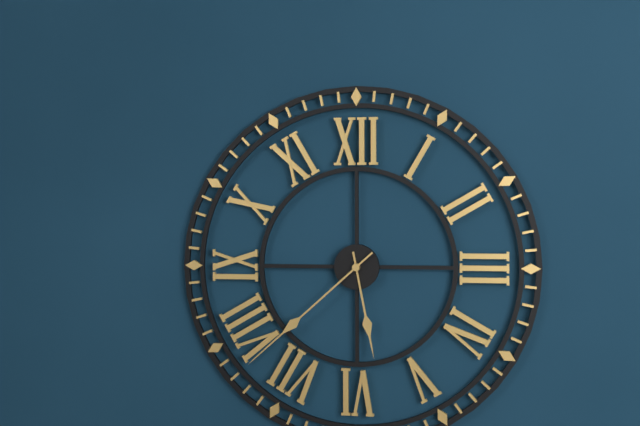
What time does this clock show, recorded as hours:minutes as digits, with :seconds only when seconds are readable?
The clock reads 5:38
